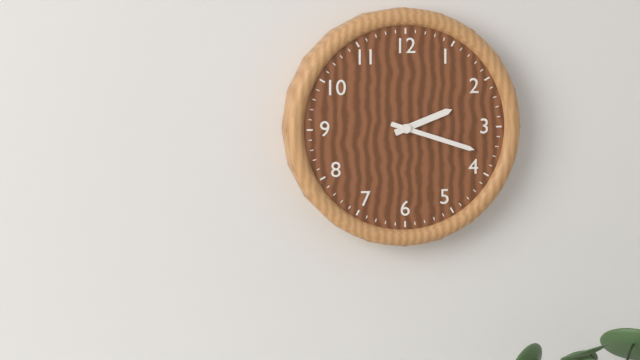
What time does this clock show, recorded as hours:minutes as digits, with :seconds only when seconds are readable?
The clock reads 2:18
